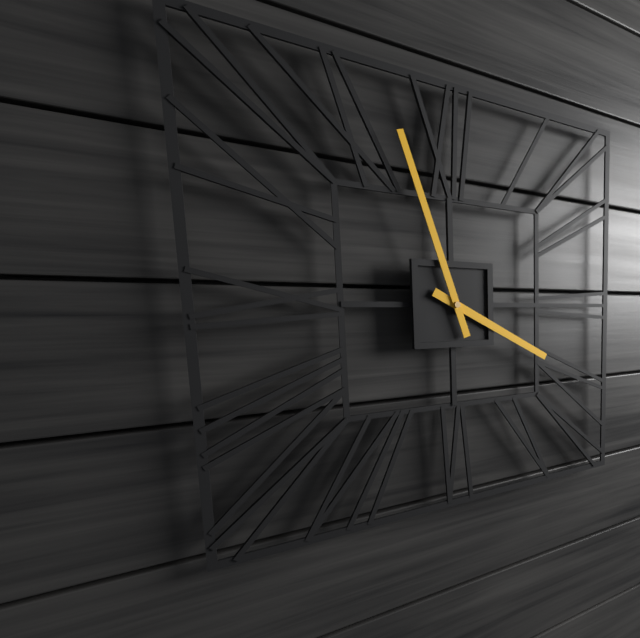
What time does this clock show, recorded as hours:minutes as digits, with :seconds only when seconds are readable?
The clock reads 3:57
